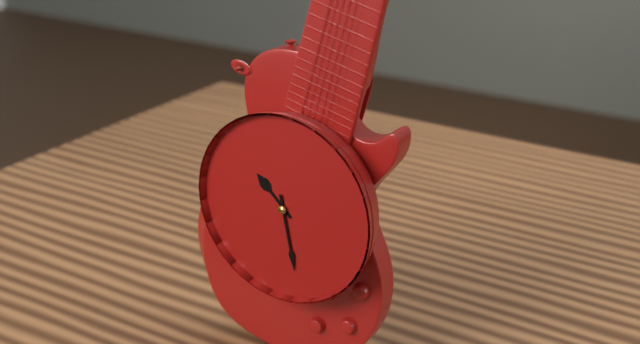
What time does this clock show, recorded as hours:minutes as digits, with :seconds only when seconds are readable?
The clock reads 10:28
